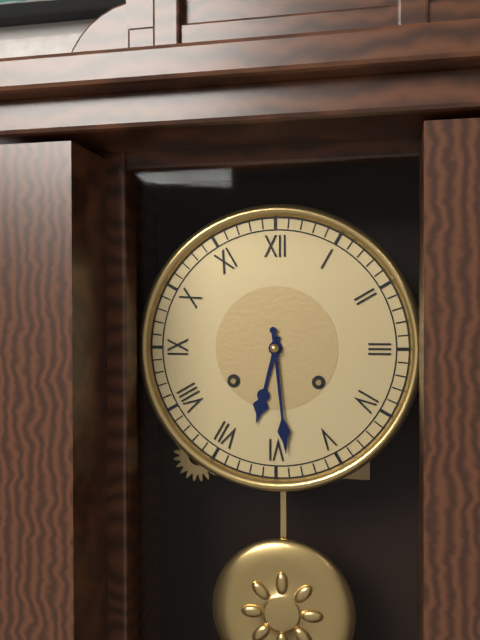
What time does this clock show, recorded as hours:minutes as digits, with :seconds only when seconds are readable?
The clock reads 6:29
